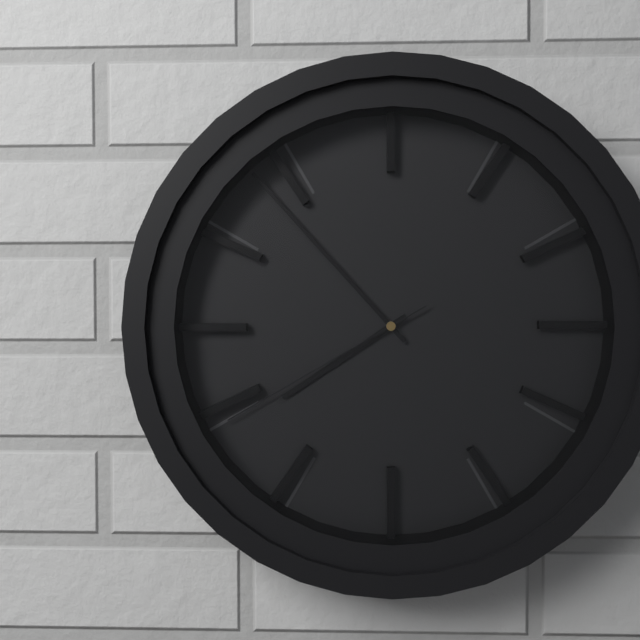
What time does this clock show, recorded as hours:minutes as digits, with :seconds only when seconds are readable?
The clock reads 7:53:40
